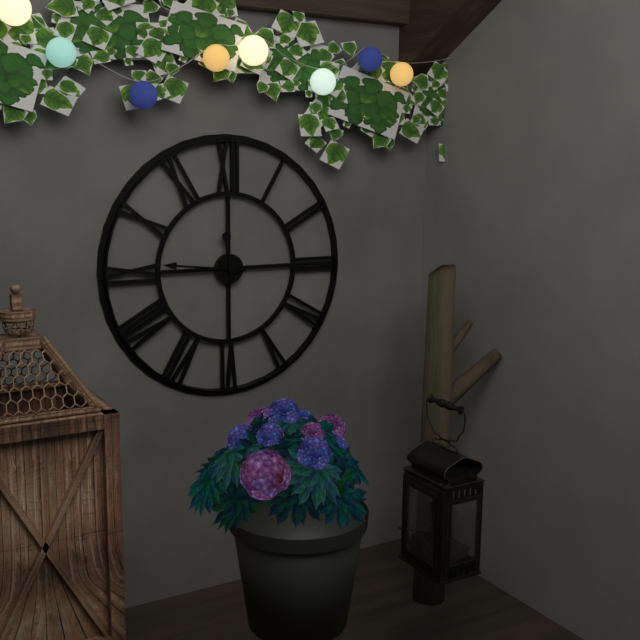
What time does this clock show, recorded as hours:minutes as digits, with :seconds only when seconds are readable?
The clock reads 11:46
